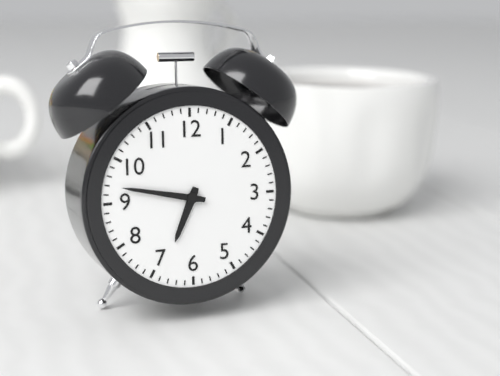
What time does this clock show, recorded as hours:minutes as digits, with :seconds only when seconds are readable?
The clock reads 6:47
